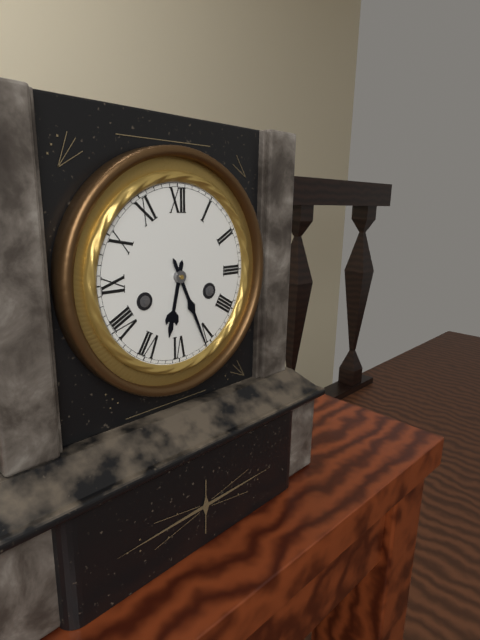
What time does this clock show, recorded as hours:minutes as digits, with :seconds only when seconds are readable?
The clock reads 6:26
